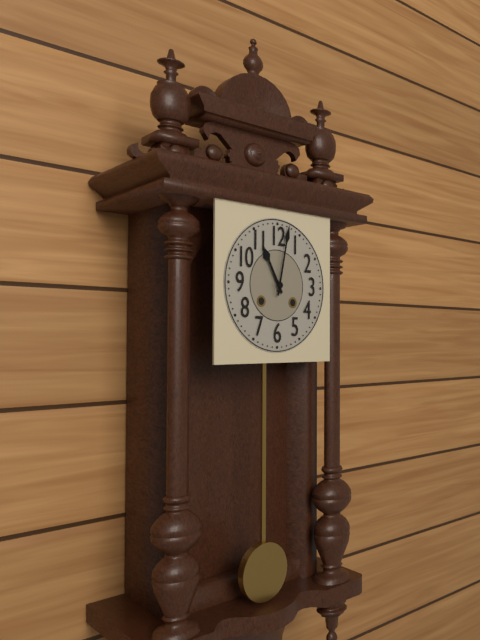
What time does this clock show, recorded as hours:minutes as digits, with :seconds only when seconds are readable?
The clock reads 11:02
